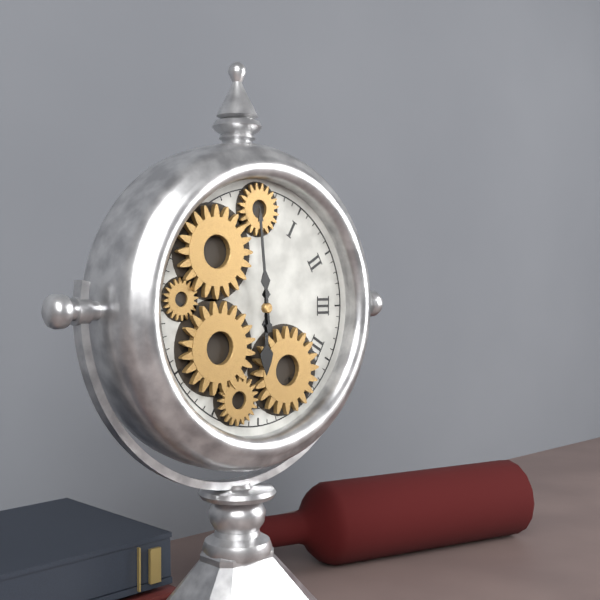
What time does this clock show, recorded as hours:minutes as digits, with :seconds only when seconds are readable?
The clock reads 5:59
